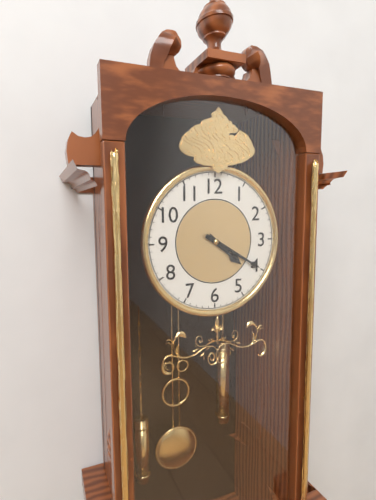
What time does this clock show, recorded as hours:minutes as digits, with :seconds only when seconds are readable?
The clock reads 4:20
